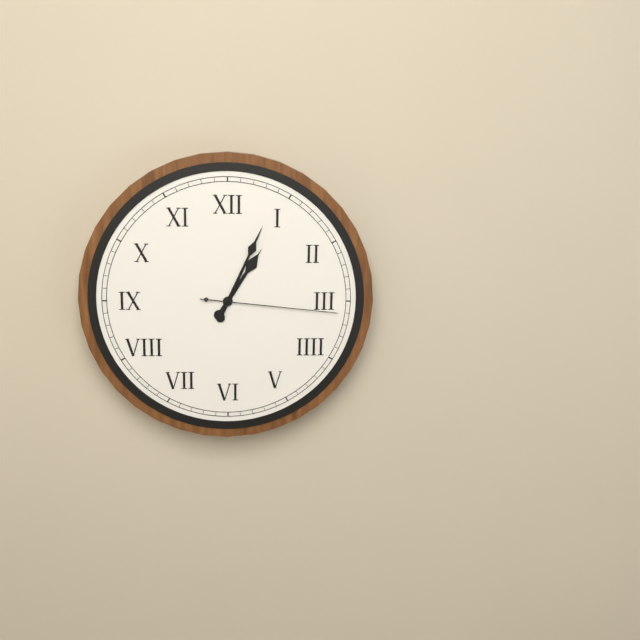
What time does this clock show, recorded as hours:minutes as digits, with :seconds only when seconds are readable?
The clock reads 1:04:16
